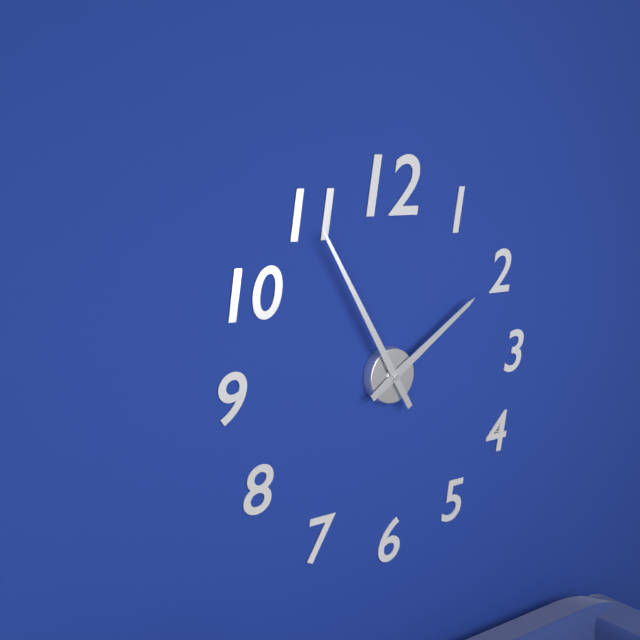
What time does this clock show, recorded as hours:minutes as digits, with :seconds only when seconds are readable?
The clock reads 1:55
